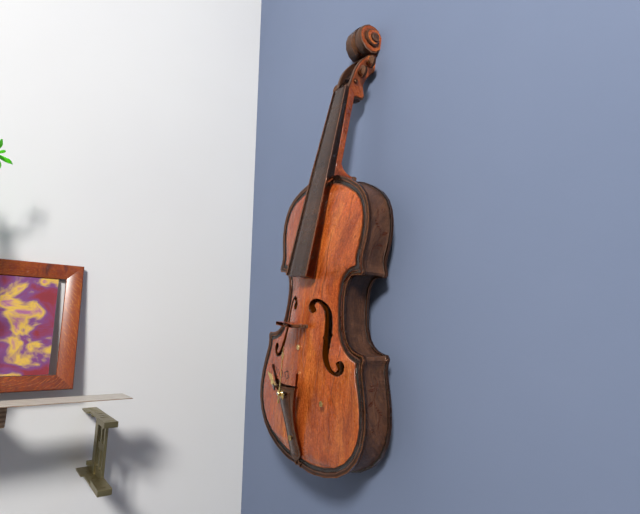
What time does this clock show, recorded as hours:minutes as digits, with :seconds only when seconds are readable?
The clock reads 10:00
